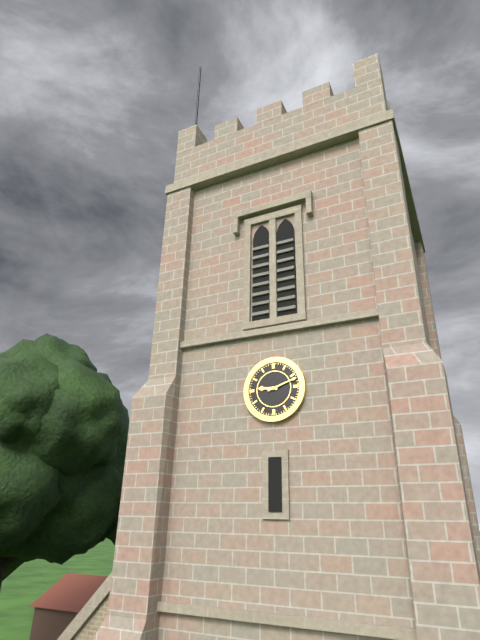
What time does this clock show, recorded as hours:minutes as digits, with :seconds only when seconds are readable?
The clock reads 9:12
